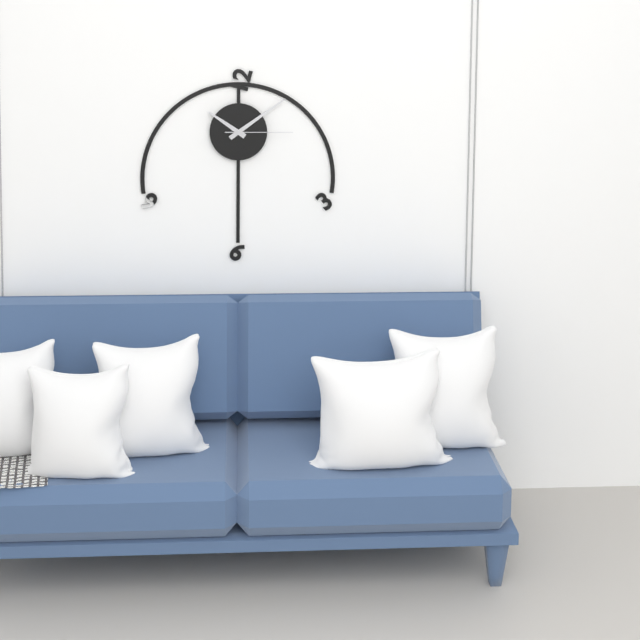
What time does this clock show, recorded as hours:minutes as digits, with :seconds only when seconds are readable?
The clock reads 10:09:15
